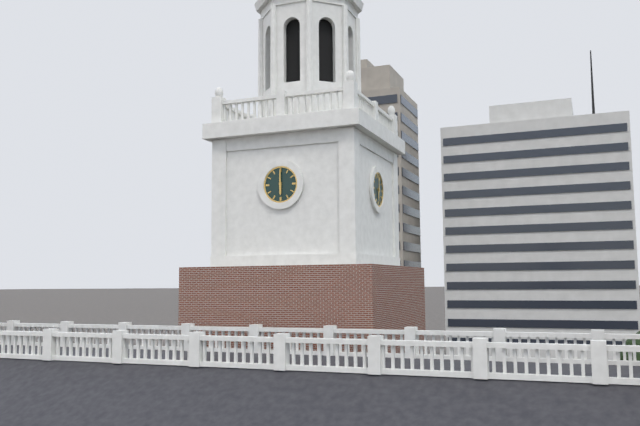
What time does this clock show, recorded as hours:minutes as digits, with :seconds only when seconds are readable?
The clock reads 6:00
